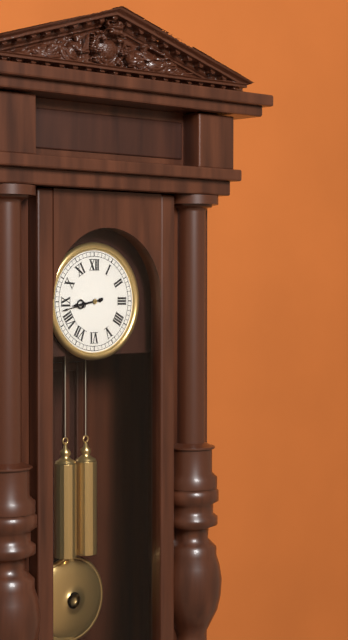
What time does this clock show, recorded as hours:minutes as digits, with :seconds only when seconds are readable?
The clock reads 8:43
